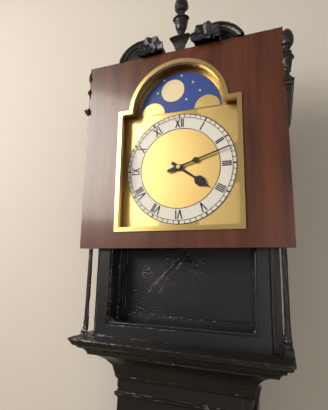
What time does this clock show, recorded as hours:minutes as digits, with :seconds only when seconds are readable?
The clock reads 4:12
